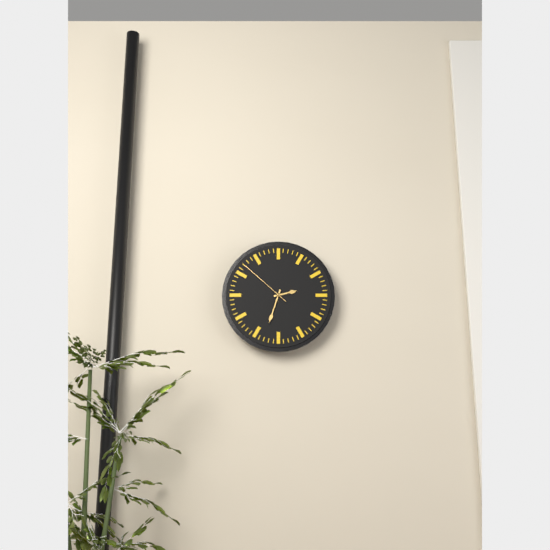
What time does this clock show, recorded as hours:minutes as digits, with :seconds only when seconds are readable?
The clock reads 2:33:52
